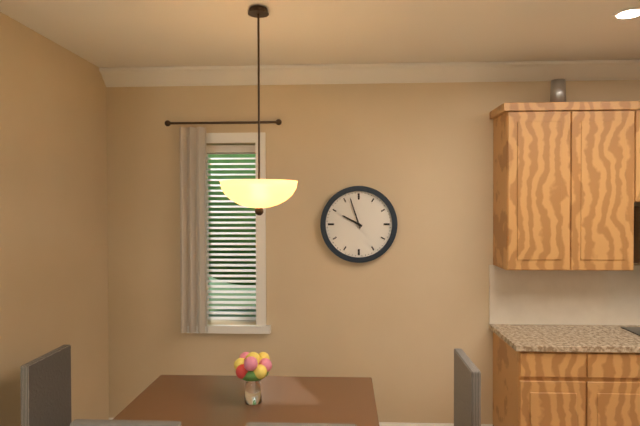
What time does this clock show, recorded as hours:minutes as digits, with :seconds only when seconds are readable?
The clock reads 9:57
